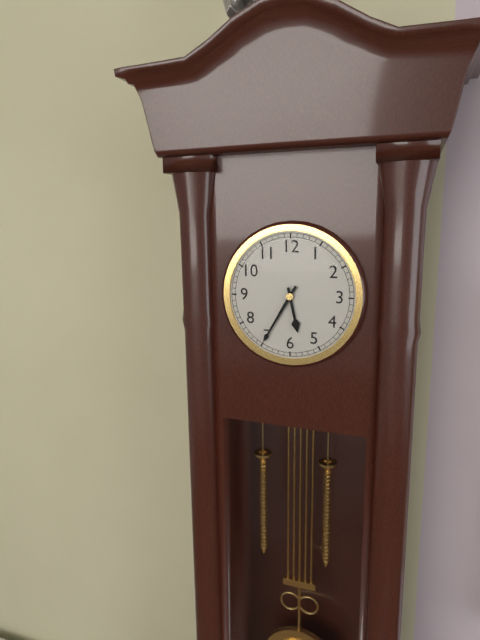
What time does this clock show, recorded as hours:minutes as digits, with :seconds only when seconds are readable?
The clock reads 5:35
